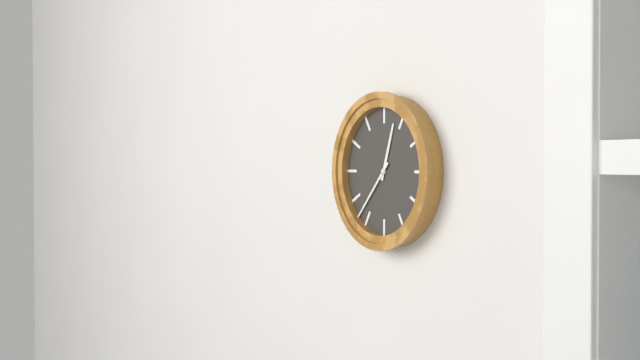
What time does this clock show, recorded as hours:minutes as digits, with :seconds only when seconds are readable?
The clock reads 12:37
